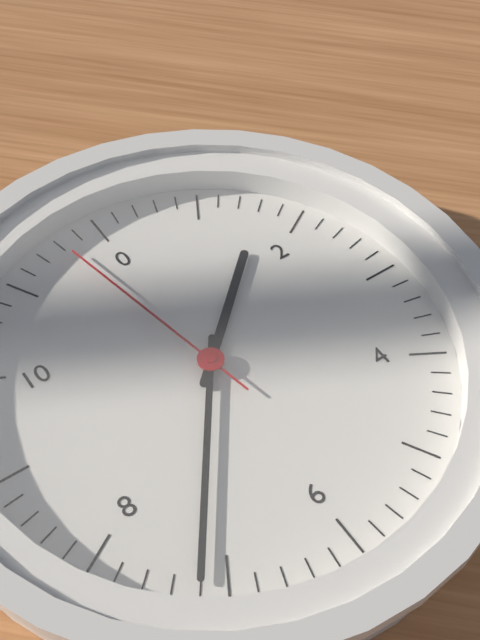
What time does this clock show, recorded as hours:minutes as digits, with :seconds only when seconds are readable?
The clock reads 1:36:58
